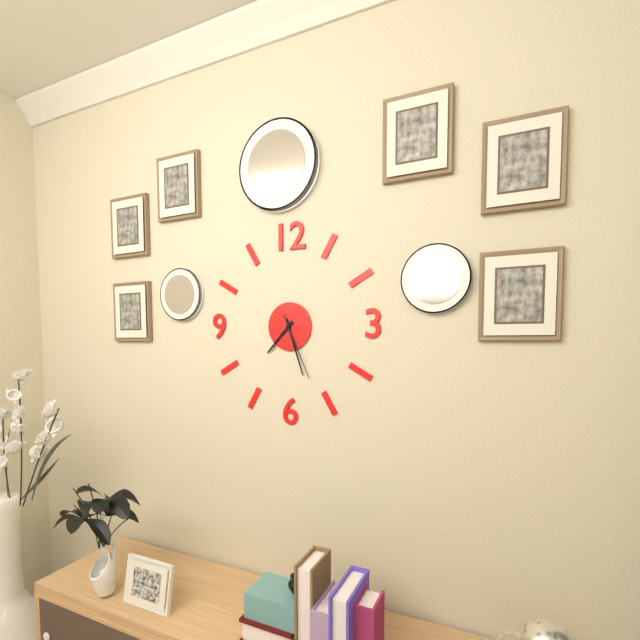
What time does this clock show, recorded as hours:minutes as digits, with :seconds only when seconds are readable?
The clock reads 7:27:26
